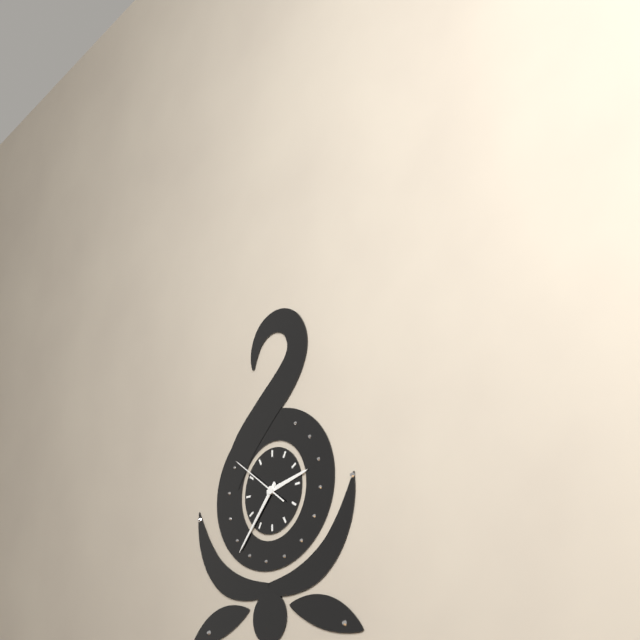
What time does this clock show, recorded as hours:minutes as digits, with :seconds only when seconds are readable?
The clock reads 2:37:51
